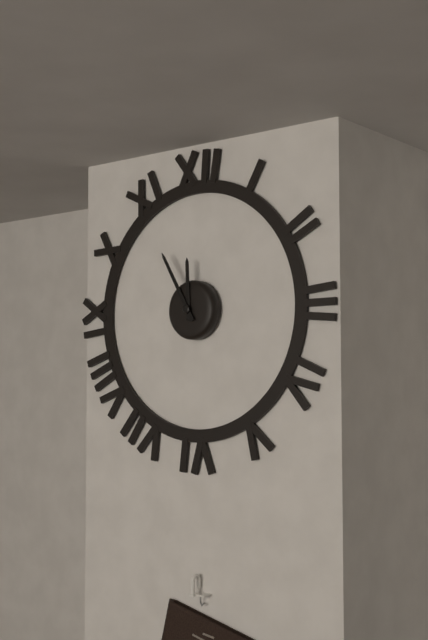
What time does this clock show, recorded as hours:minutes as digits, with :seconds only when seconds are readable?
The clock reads 11:55
